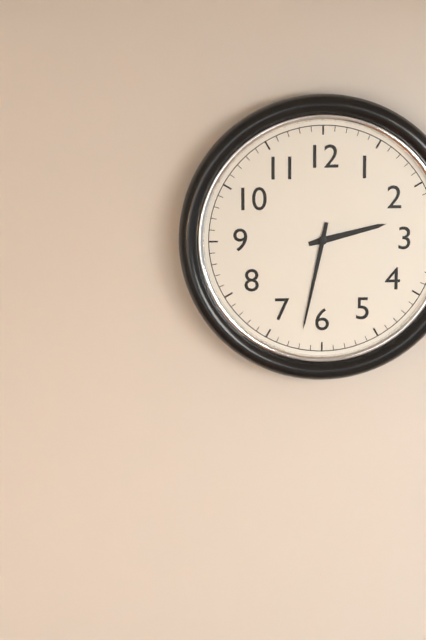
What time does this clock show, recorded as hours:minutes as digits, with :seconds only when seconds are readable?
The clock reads 2:32
